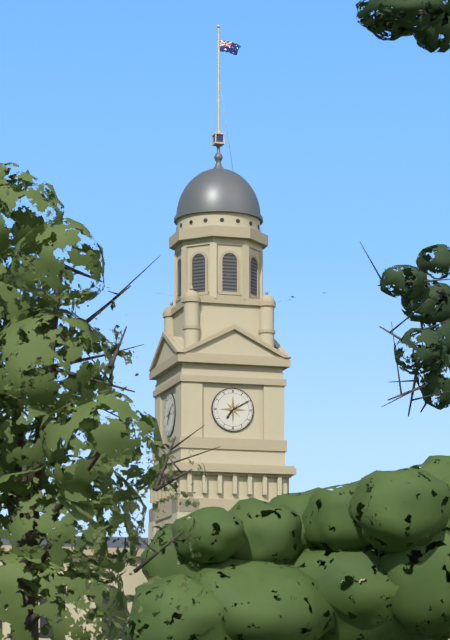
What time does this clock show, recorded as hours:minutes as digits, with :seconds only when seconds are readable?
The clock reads 7:10
